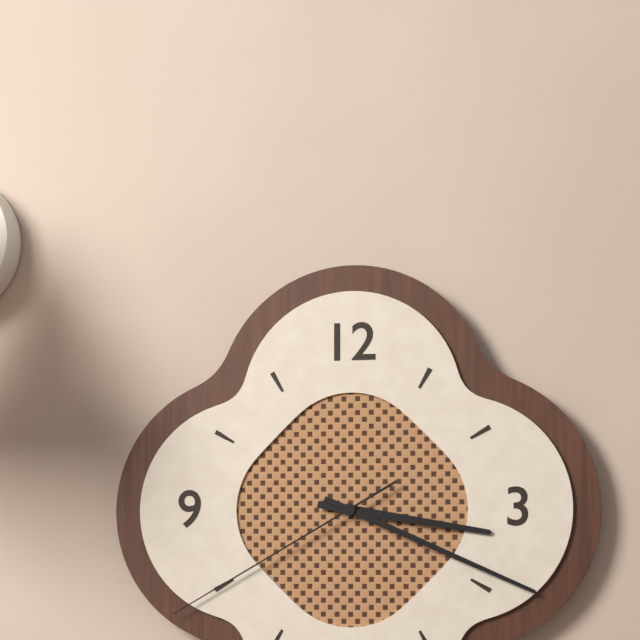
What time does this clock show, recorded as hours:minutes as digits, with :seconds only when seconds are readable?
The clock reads 3:19:40
